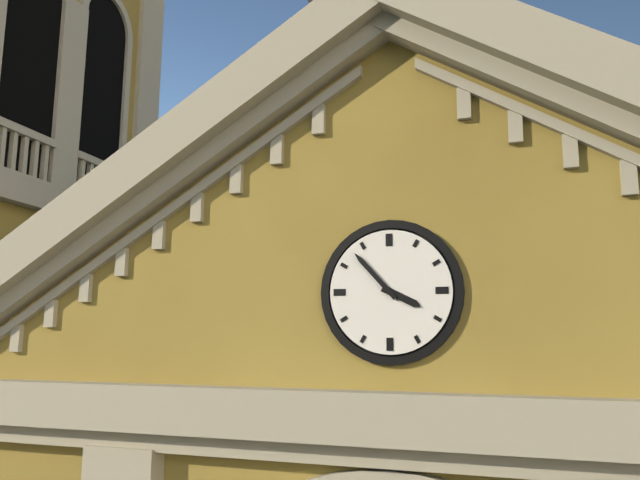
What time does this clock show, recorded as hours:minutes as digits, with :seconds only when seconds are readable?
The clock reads 3:53
